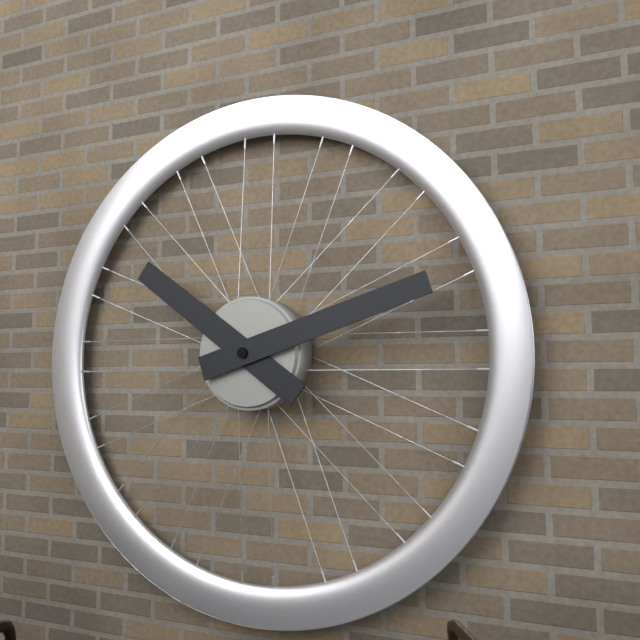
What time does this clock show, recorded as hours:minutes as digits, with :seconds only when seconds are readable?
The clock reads 10:12
